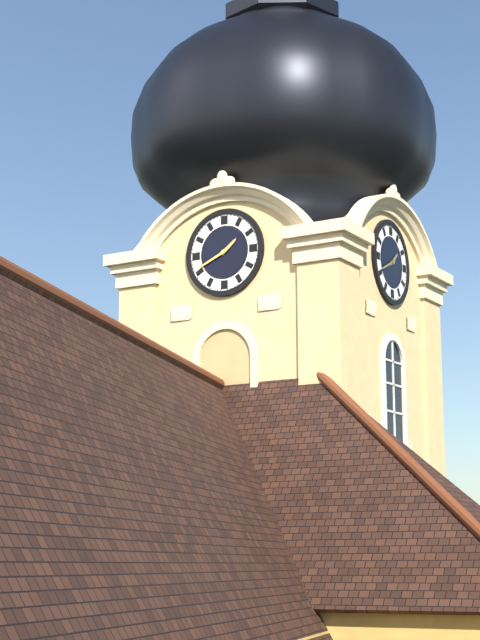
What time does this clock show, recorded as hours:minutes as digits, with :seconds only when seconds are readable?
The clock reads 1:41
